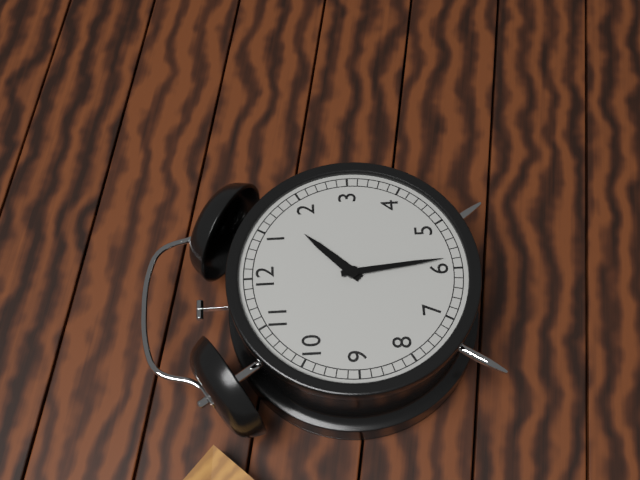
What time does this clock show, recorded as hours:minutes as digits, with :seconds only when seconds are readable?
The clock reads 1:29
